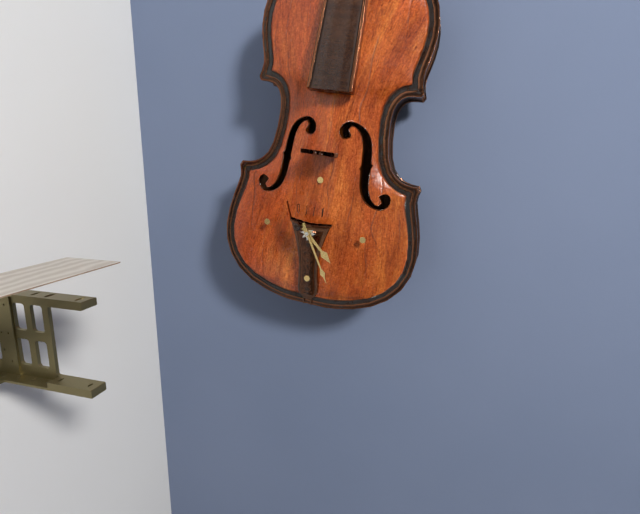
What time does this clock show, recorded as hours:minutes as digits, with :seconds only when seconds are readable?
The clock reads 4:25
